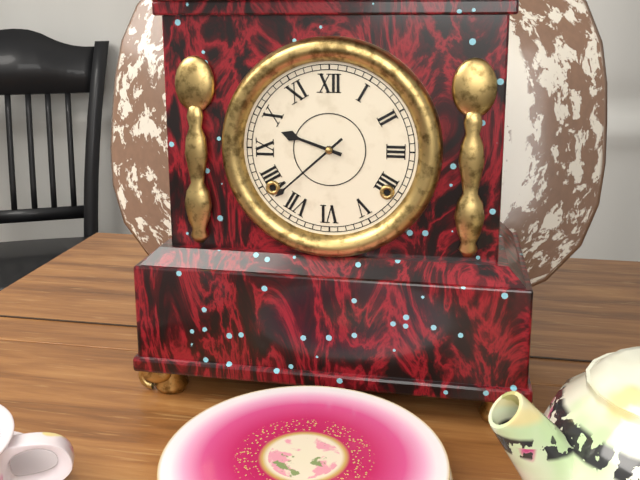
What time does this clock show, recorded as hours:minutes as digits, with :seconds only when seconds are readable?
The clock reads 9:38
